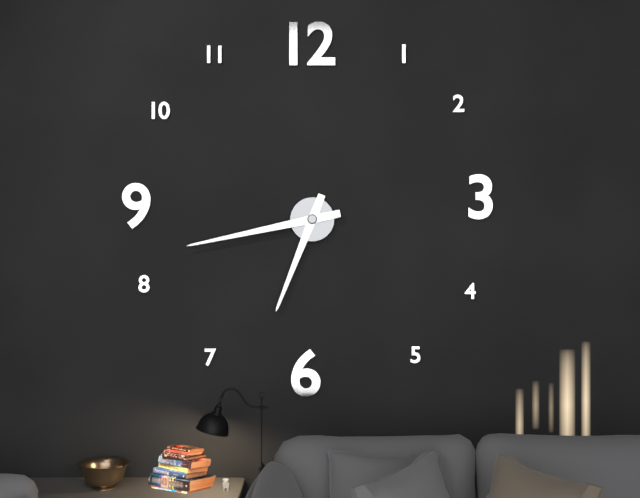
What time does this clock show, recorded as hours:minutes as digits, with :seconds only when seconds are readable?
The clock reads 6:43
